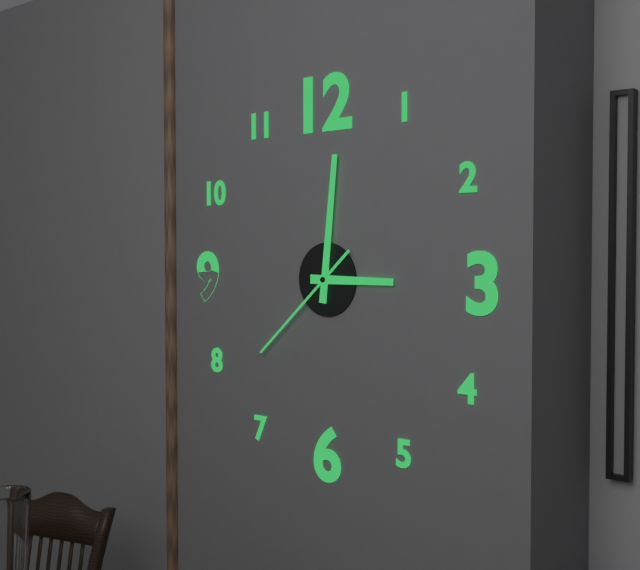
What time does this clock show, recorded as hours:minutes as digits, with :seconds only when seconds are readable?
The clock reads 3:01:38
